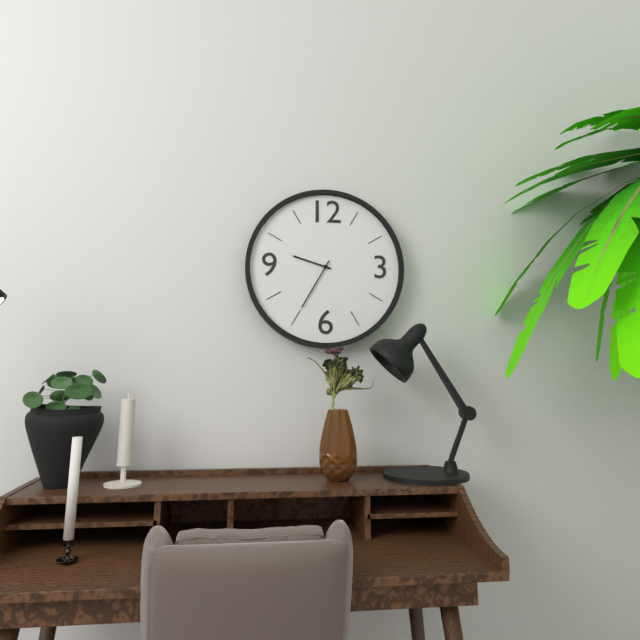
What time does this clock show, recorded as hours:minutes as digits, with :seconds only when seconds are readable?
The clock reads 9:35
